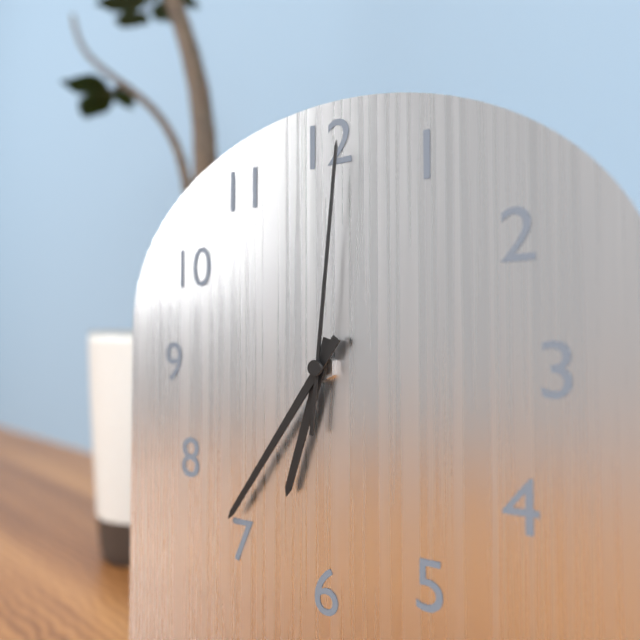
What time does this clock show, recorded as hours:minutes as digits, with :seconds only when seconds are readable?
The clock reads 6:36:01
